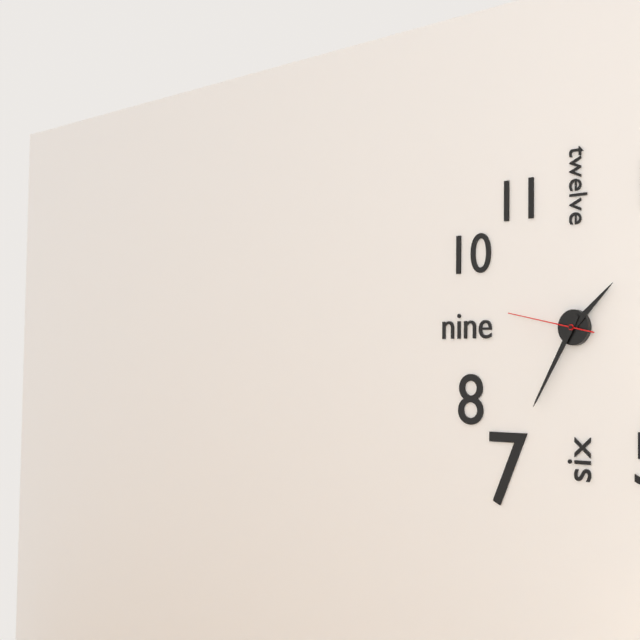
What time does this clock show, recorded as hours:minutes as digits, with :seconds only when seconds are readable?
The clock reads 1:35:47
